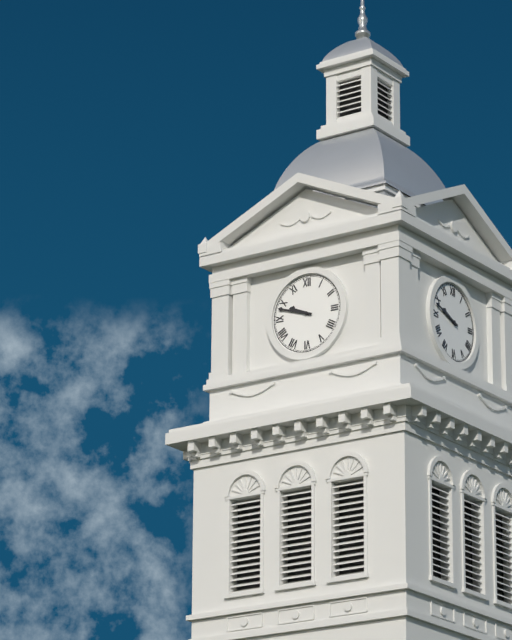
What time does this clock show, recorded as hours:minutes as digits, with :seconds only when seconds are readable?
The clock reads 9:48
